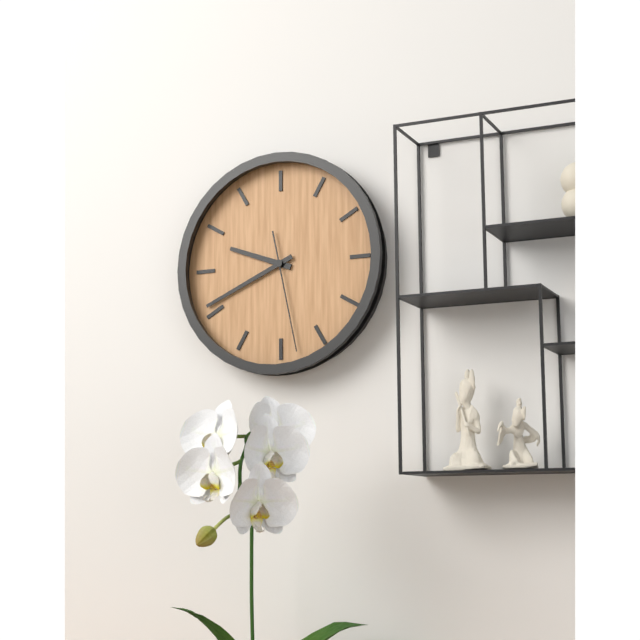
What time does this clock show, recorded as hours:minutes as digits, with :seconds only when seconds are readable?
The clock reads 9:41:28
